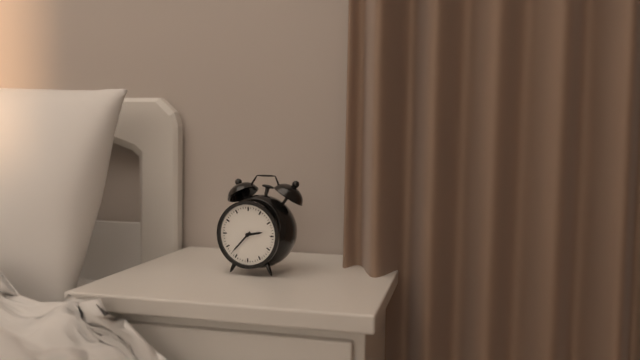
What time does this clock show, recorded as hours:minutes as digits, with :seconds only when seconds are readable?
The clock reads 2:37
